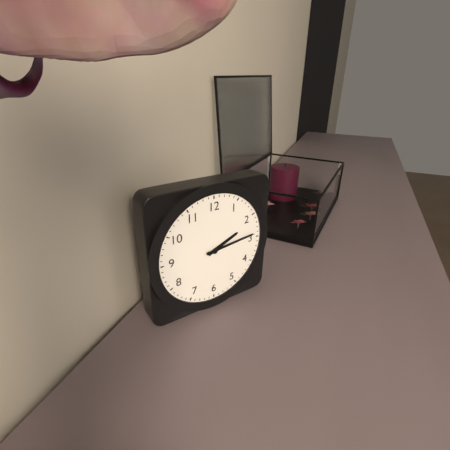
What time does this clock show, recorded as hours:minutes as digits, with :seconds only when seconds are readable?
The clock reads 2:14
